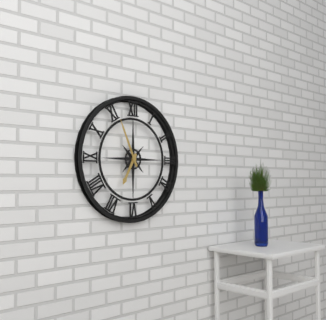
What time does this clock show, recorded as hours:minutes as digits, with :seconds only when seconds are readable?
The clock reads 6:56
